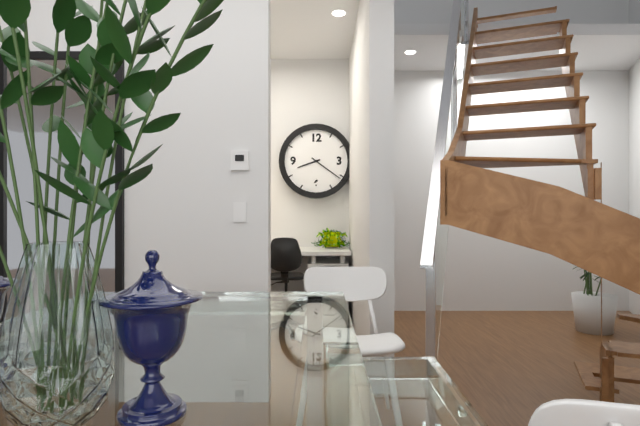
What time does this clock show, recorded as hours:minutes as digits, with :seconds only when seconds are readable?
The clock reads 8:21
